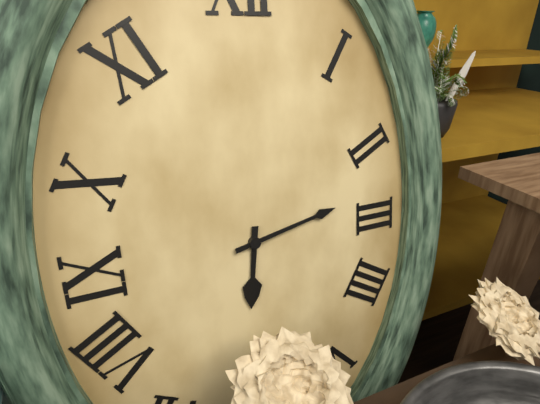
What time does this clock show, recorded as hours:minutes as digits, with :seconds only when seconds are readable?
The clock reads 6:13
